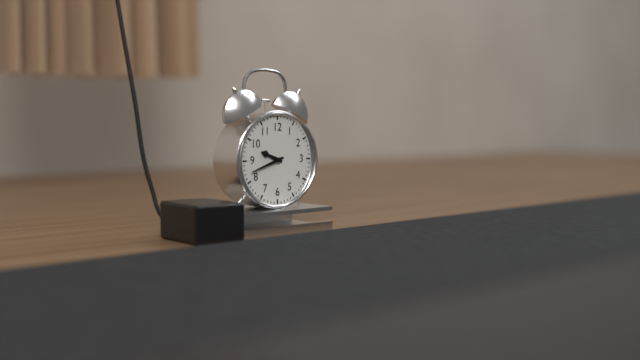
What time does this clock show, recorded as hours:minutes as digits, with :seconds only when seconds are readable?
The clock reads 9:42
